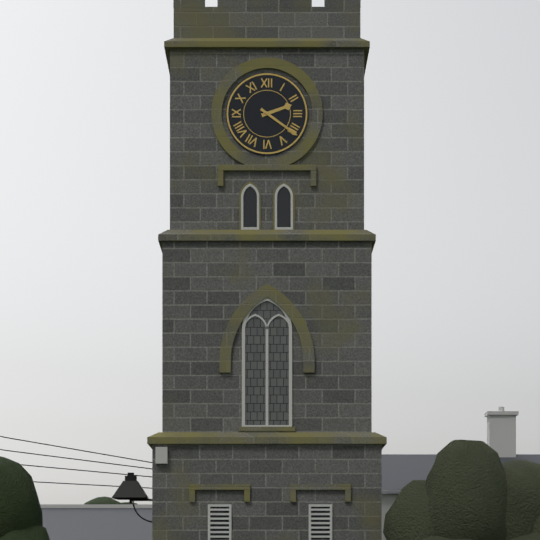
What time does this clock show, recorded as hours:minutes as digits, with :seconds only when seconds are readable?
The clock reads 2:21
